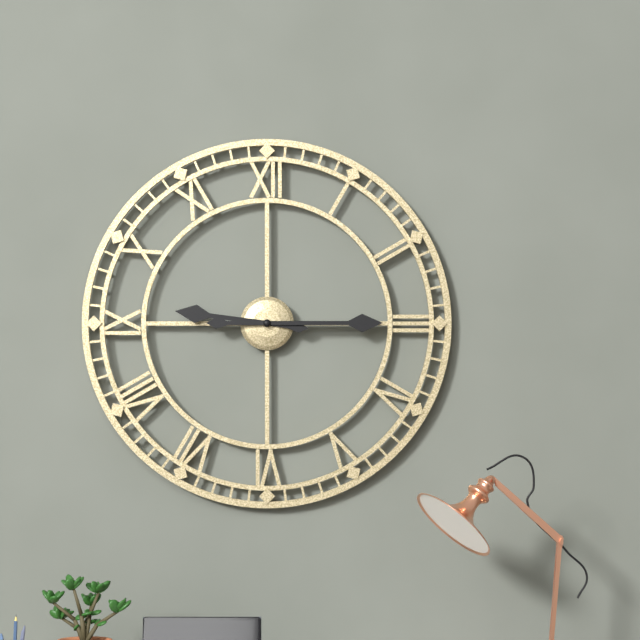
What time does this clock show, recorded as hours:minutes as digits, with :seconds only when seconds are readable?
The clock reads 9:15
